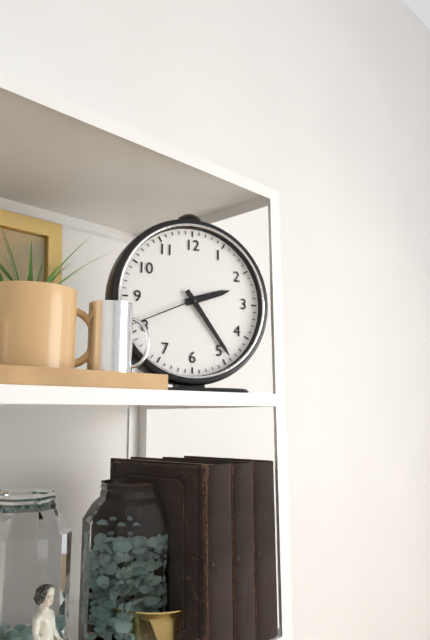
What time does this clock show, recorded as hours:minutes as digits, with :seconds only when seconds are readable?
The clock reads 2:24:41
